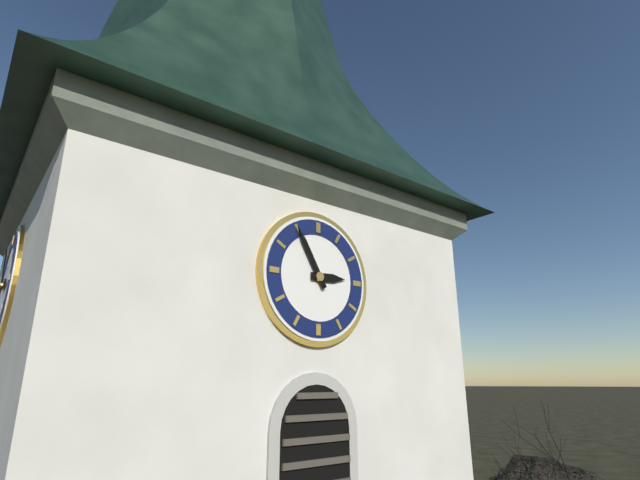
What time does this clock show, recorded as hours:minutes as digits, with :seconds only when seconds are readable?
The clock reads 2:55
